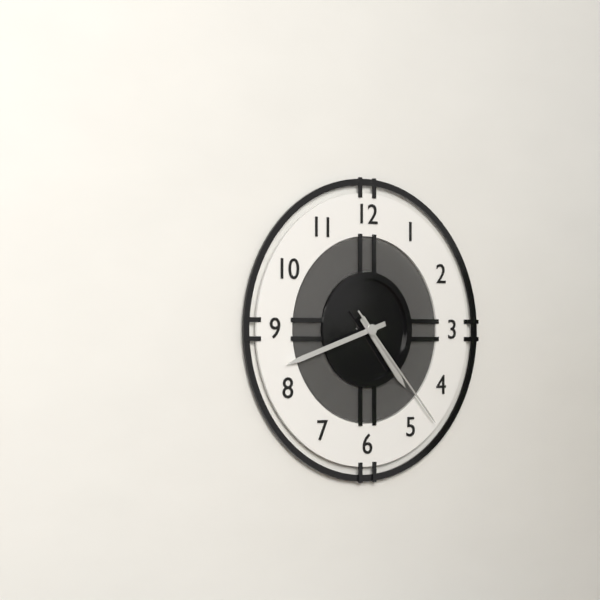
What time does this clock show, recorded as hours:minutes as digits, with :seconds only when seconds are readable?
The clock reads 4:42:23
